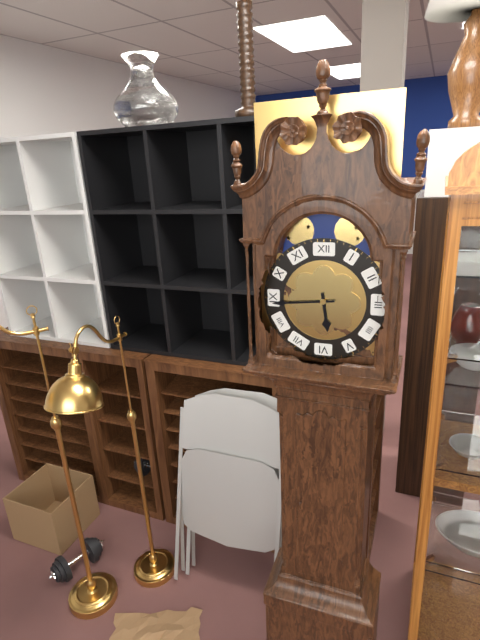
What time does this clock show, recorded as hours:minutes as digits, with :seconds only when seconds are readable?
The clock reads 5:44
